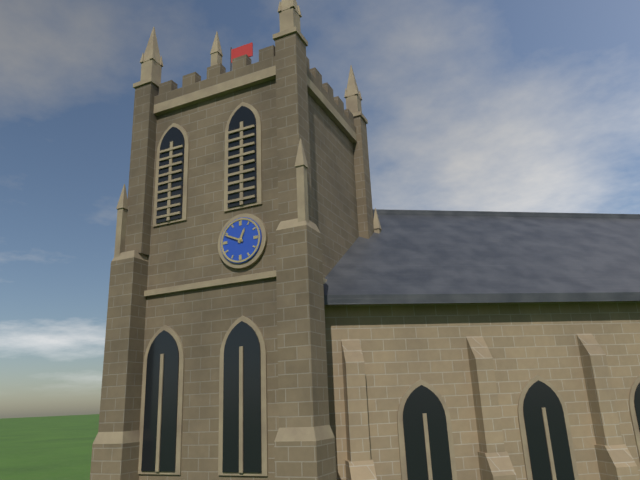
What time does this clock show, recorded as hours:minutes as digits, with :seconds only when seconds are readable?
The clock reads 12:49
